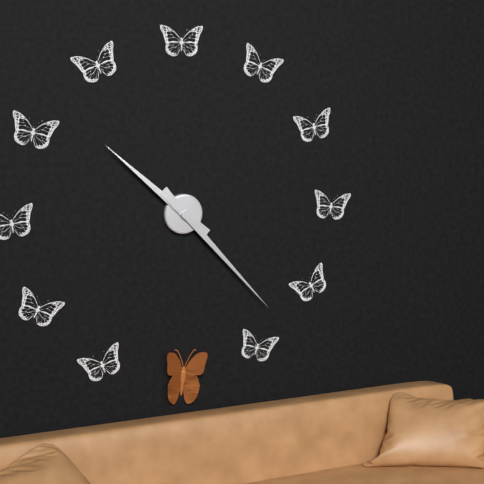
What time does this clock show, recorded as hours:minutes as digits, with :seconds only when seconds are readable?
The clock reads 10:23
